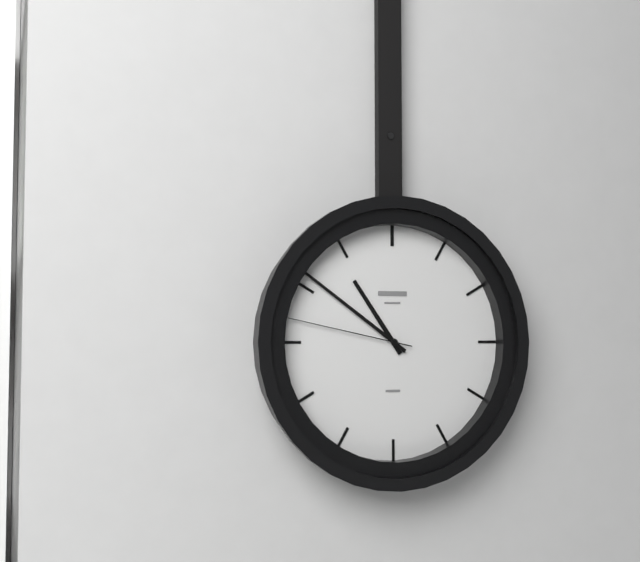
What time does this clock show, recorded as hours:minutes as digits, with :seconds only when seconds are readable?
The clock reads 10:51:47
